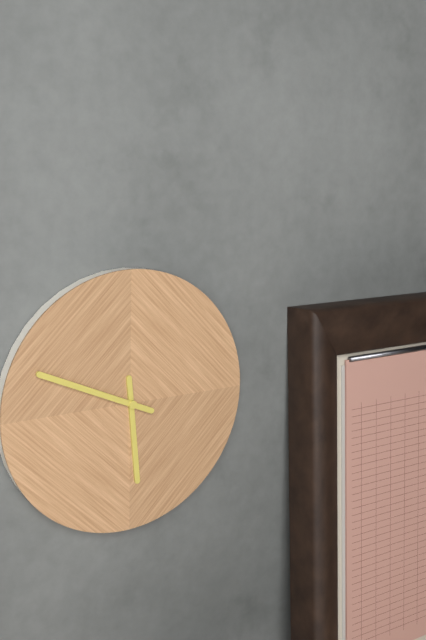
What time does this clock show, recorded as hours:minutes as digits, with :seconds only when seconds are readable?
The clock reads 5:49
